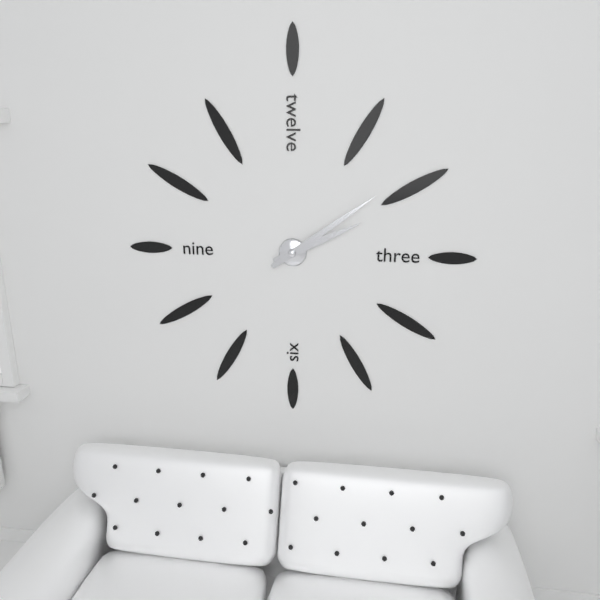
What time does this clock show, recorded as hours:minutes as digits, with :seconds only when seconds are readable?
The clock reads 2:09
